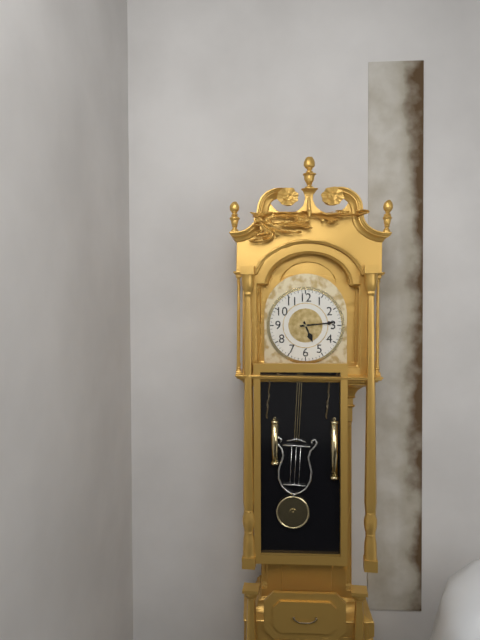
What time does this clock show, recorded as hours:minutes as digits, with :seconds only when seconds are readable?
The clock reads 5:14
